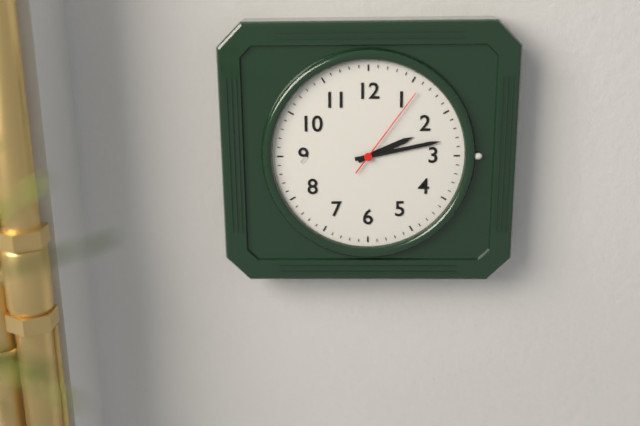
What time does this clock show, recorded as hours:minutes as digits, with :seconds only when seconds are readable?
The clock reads 2:13:06
